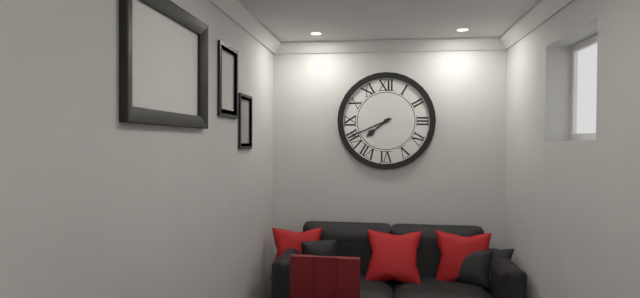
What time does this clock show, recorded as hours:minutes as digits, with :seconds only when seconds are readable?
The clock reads 7:41
